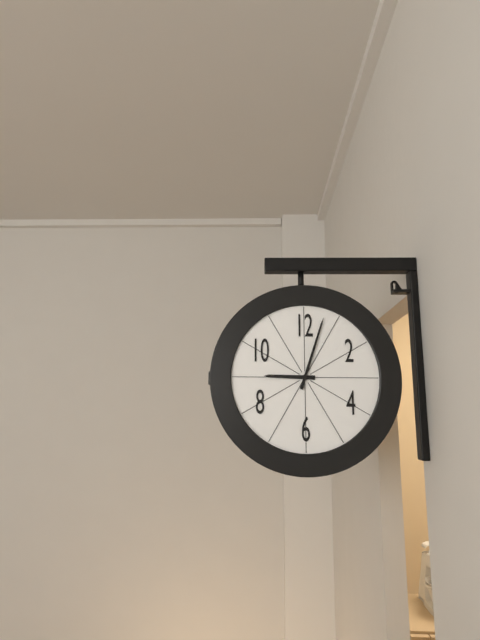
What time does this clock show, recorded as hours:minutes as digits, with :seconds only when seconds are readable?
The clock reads 9:03
